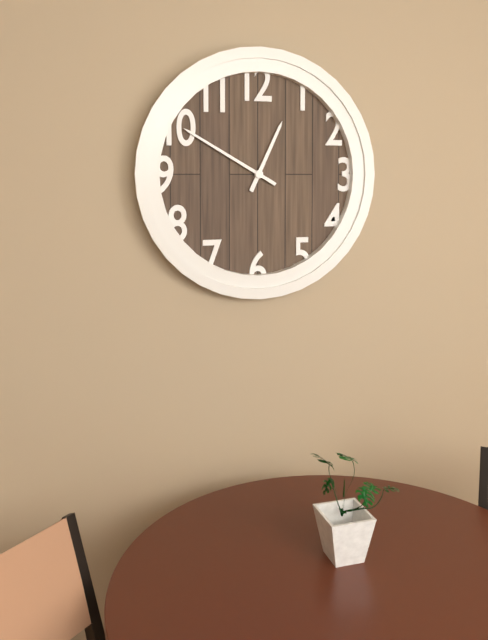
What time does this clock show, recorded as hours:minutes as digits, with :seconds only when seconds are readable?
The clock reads 12:50
